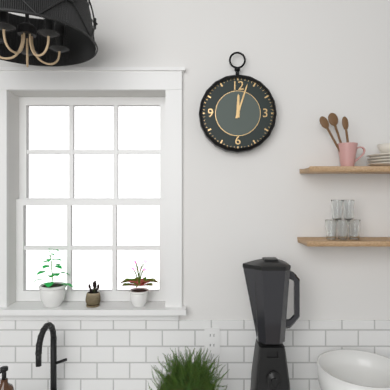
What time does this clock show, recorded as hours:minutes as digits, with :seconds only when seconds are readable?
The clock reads 12:03
